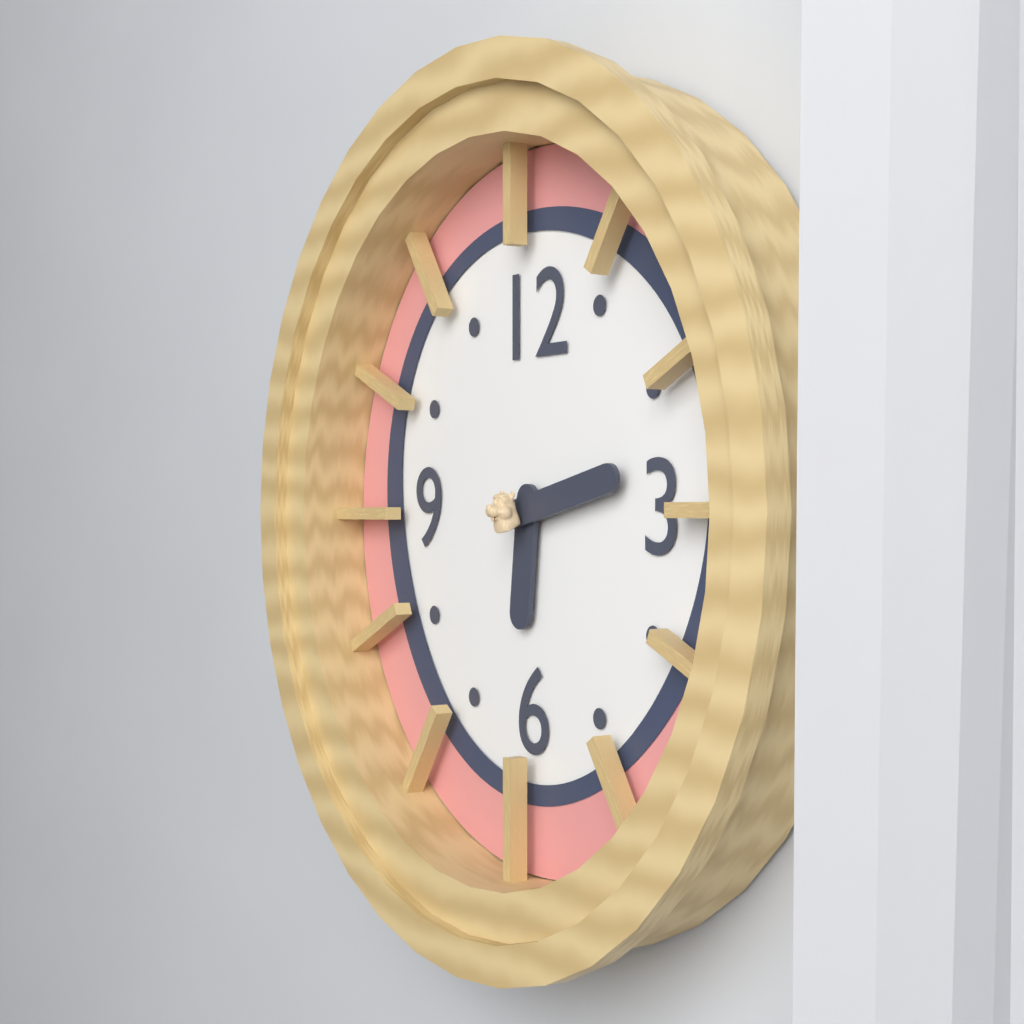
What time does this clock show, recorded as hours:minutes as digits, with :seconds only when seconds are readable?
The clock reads 6:13
